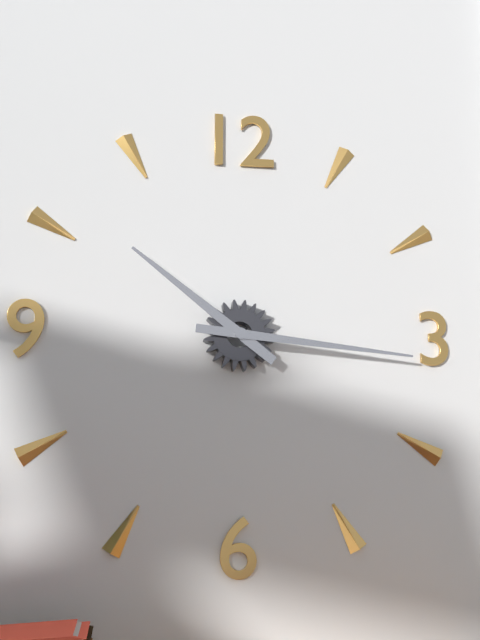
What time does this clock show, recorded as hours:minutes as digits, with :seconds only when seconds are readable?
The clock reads 10:16
